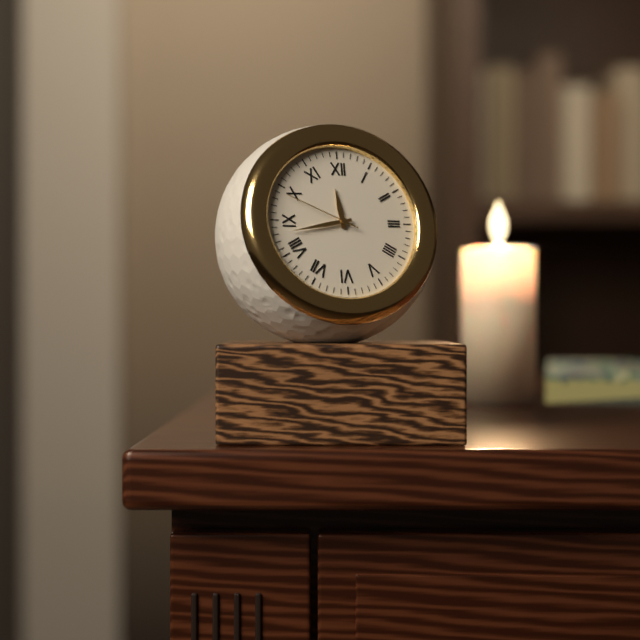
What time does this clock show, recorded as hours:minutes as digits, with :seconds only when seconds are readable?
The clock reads 11:43:49
